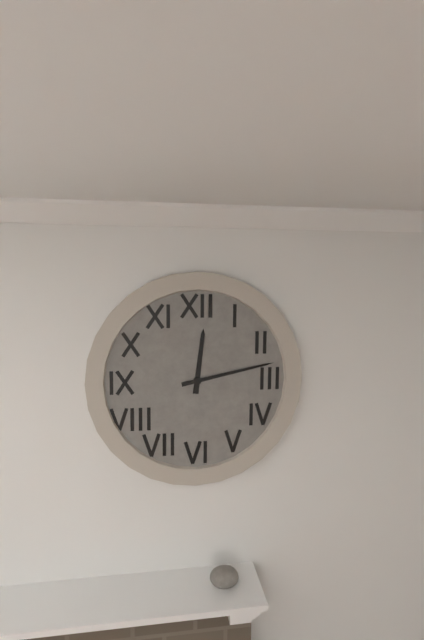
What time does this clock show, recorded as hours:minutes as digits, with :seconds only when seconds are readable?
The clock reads 12:13
